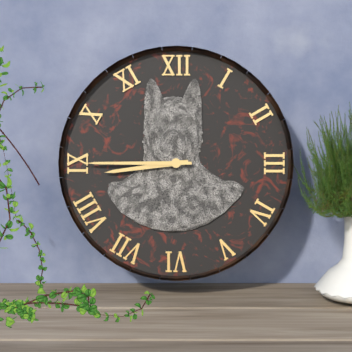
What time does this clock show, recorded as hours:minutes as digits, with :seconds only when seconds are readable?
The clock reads 8:45
